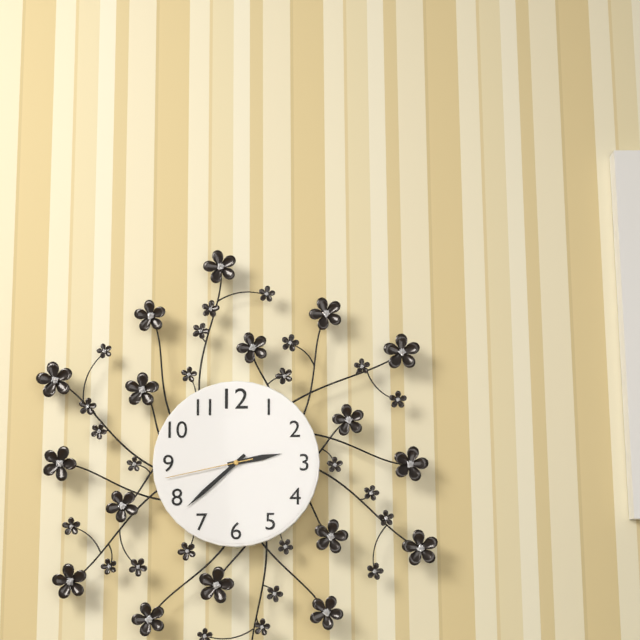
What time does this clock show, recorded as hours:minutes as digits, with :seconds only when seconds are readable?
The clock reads 2:38:43
